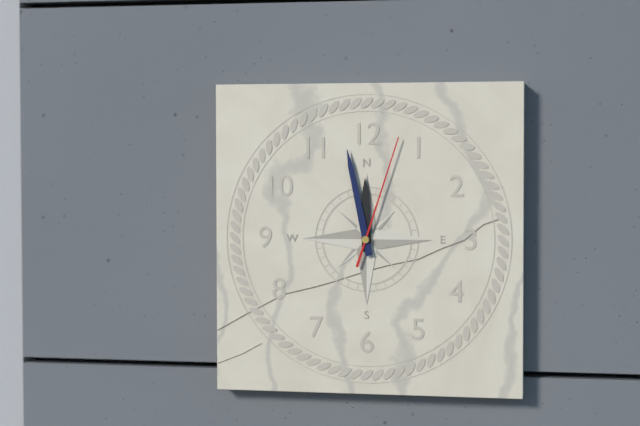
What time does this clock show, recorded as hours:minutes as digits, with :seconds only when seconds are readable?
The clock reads 11:58:03
